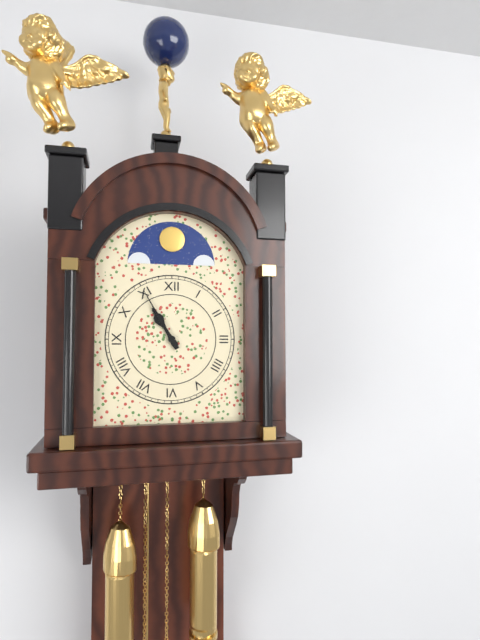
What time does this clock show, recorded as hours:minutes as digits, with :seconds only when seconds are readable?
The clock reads 10:55
